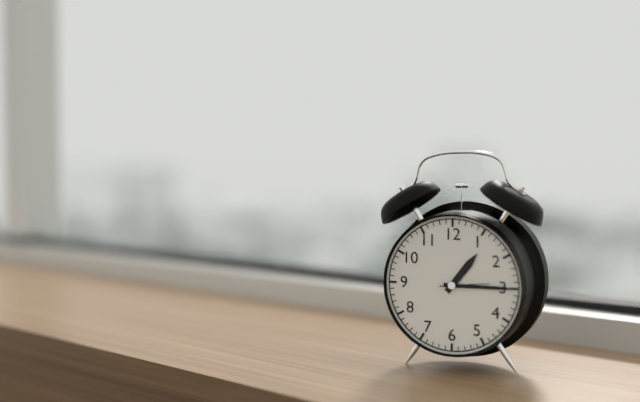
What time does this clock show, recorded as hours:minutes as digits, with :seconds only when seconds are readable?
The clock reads 1:15
